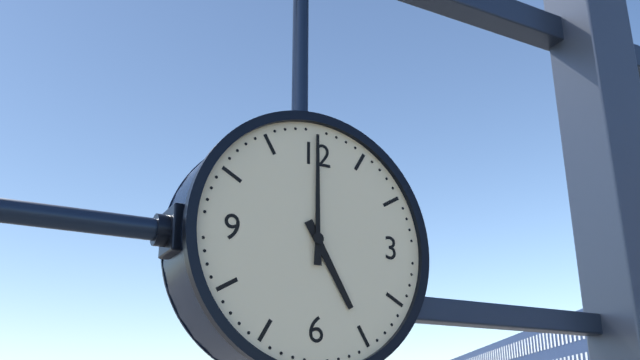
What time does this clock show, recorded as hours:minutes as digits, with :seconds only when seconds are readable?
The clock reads 5:00
